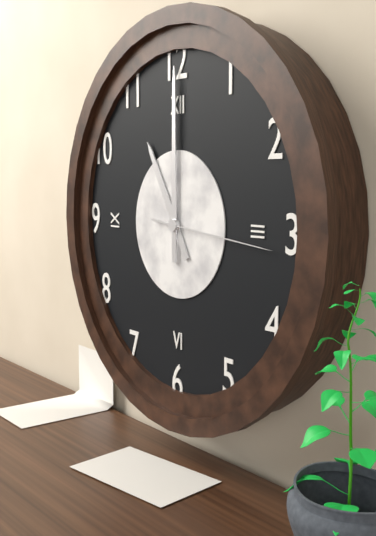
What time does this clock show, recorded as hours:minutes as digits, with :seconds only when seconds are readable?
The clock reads 11:00:16
